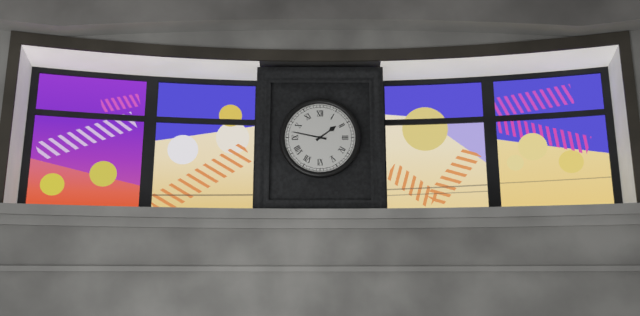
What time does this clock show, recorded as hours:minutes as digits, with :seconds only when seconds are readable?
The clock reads 1:47
